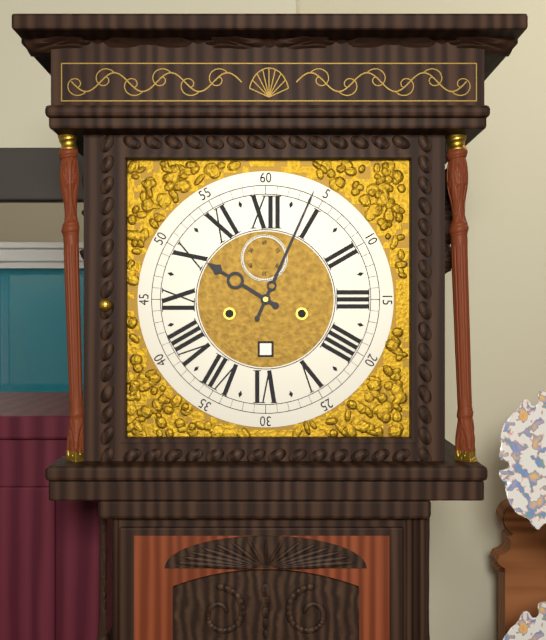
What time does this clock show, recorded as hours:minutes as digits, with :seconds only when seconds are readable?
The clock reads 10:04
